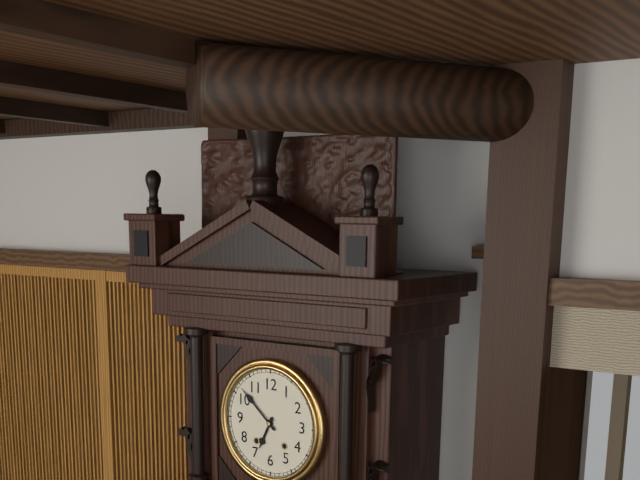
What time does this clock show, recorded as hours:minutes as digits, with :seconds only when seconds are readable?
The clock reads 6:52
